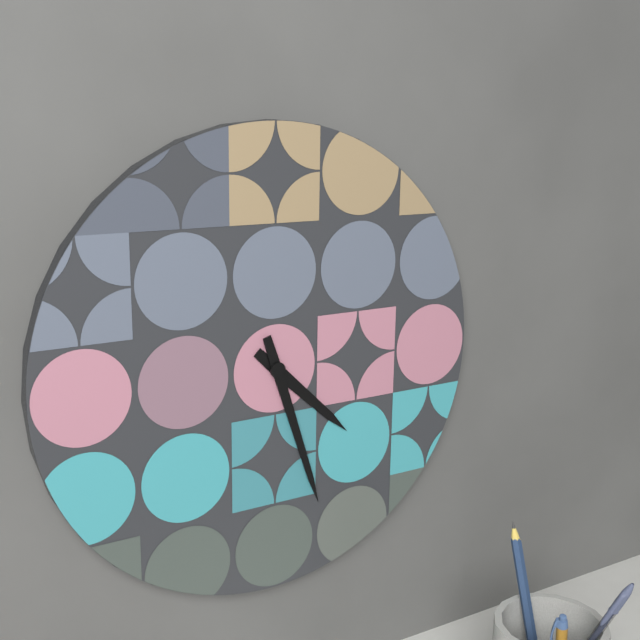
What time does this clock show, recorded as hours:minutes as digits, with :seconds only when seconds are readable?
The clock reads 4:27
